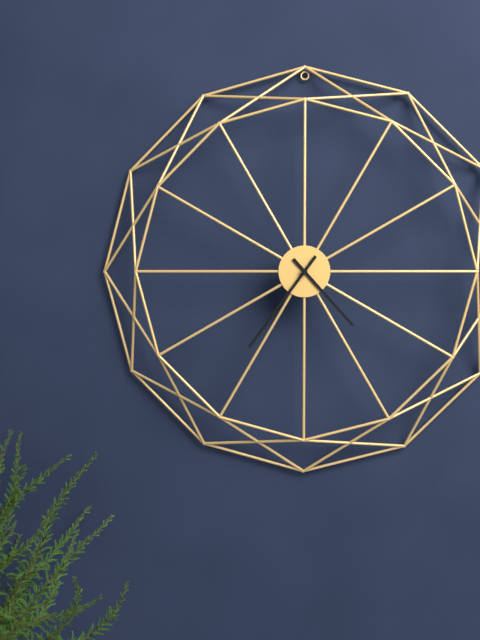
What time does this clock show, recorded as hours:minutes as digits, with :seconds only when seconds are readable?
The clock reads 4:36
